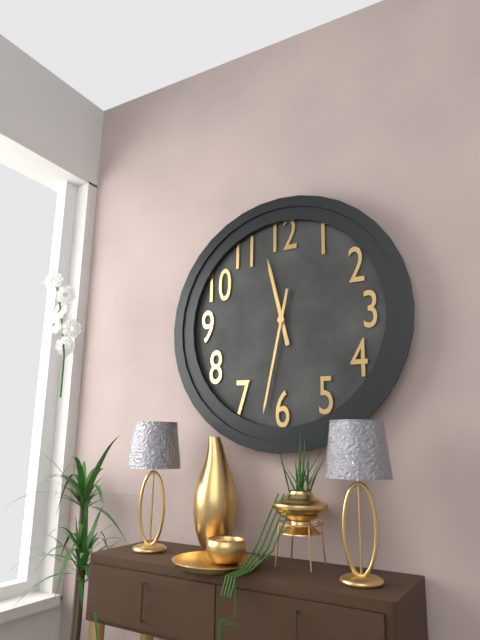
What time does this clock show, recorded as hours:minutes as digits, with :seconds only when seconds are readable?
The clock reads 11:32
